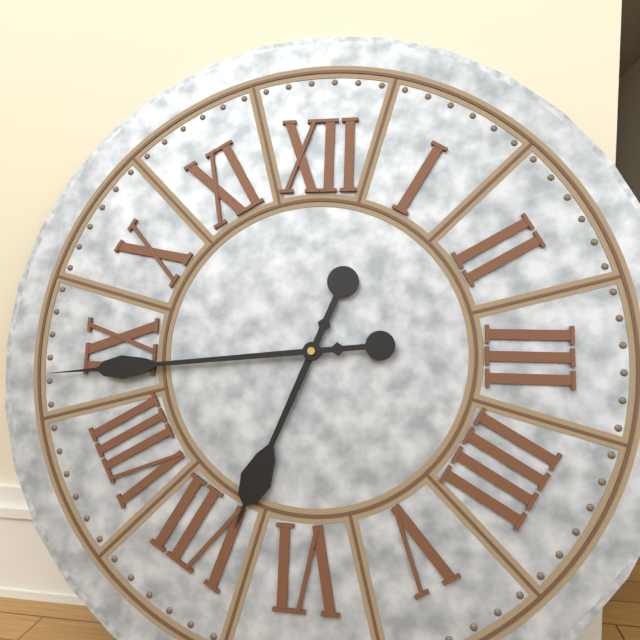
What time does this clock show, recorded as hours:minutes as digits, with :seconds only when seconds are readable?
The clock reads 6:44
